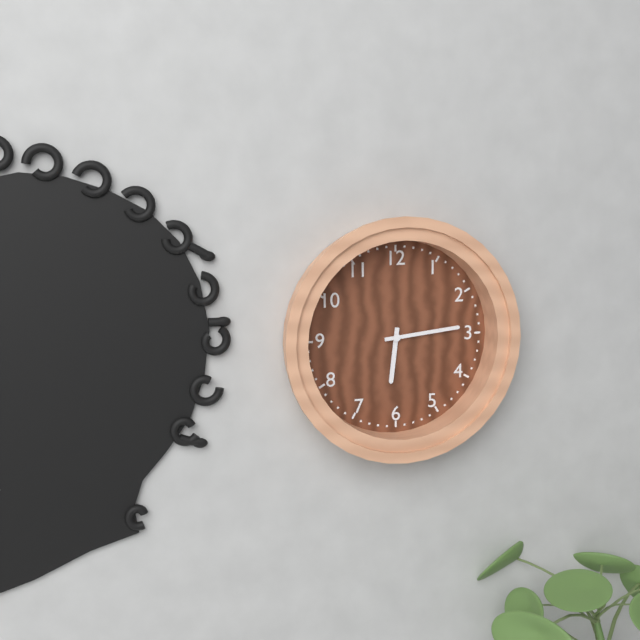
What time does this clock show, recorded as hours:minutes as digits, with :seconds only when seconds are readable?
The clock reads 6:14
